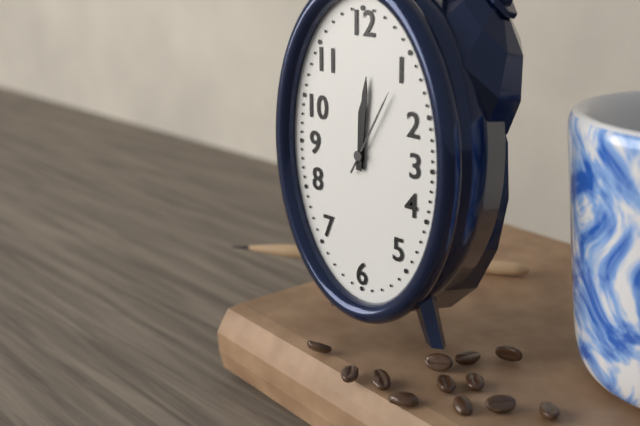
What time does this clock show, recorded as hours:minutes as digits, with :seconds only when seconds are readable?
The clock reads 12:01:05
